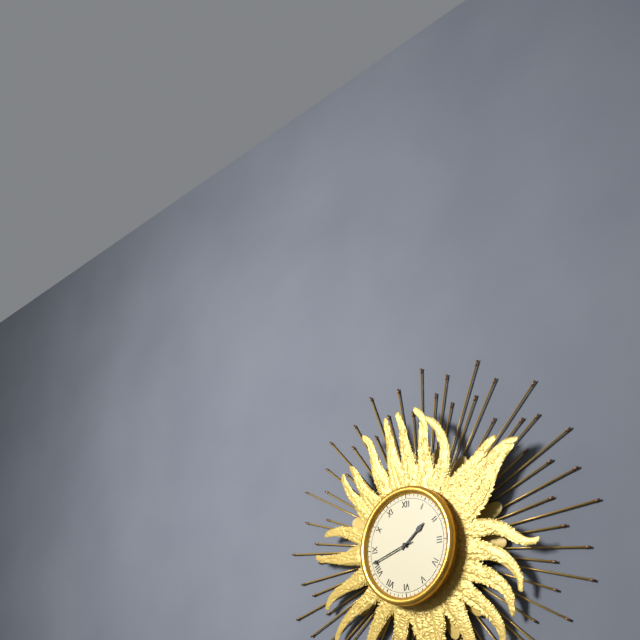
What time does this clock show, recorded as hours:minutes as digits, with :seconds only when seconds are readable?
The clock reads 1:42
